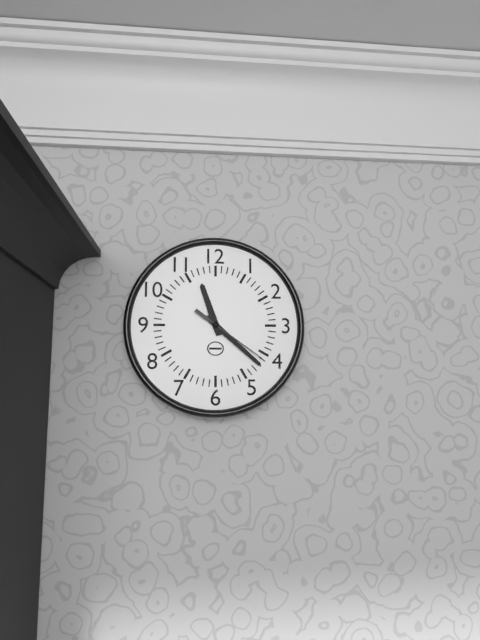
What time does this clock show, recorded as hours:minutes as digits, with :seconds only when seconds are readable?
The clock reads 11:22:21
